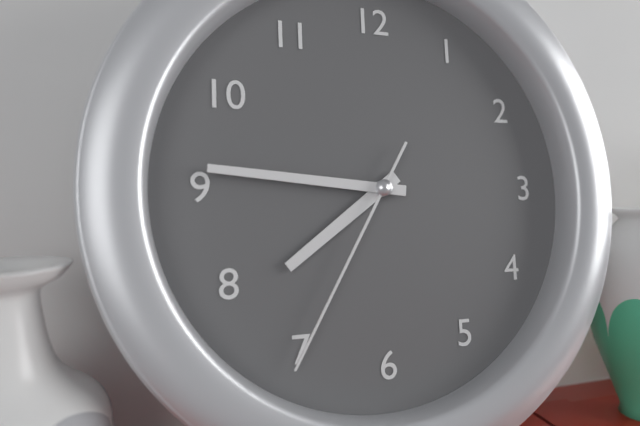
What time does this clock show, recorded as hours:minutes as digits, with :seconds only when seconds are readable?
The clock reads 7:46:35
